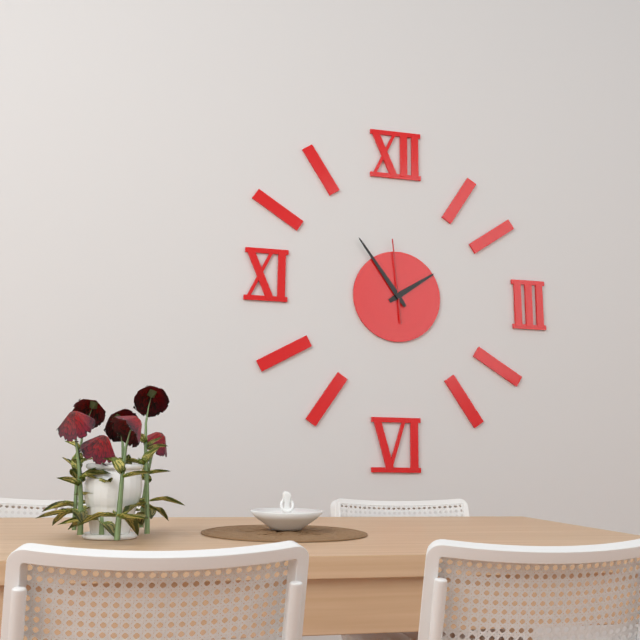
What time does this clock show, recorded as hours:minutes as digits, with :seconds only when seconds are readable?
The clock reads 1:54:59
